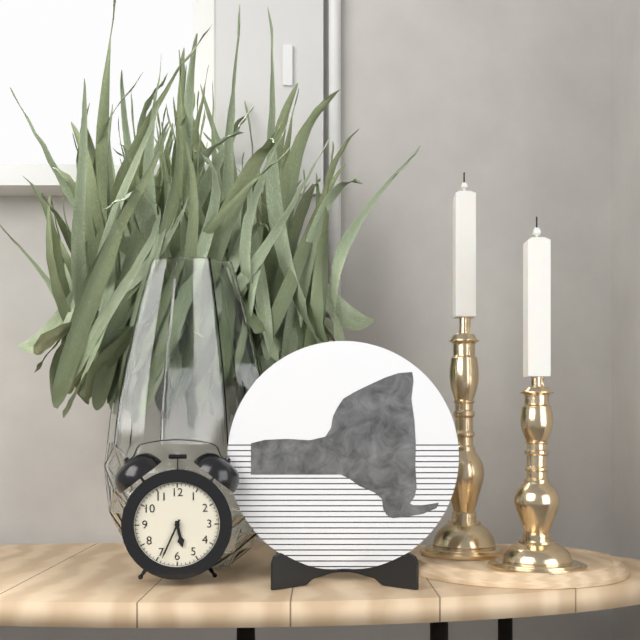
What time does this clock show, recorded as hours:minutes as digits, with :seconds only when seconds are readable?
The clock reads 5:34
